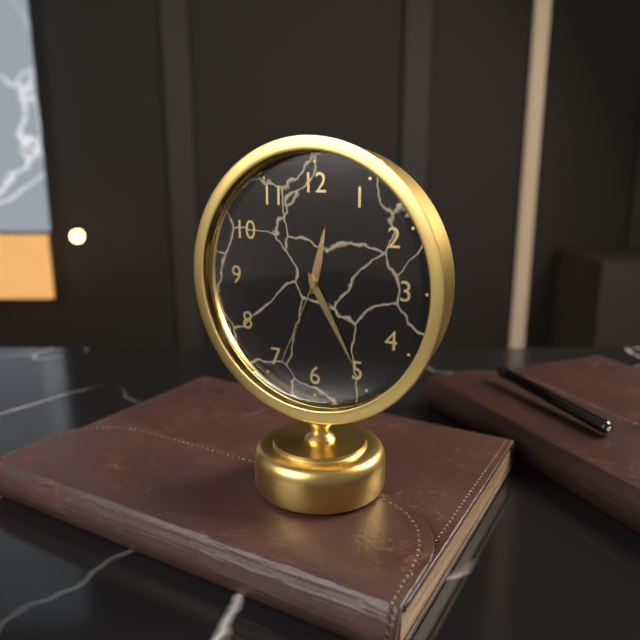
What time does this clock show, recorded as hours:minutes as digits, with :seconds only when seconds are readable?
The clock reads 12:25:34
